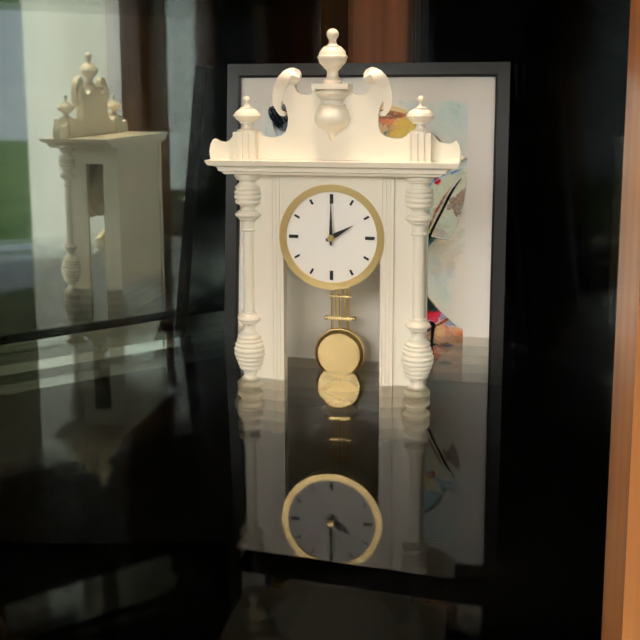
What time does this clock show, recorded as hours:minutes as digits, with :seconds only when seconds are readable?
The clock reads 2:00
